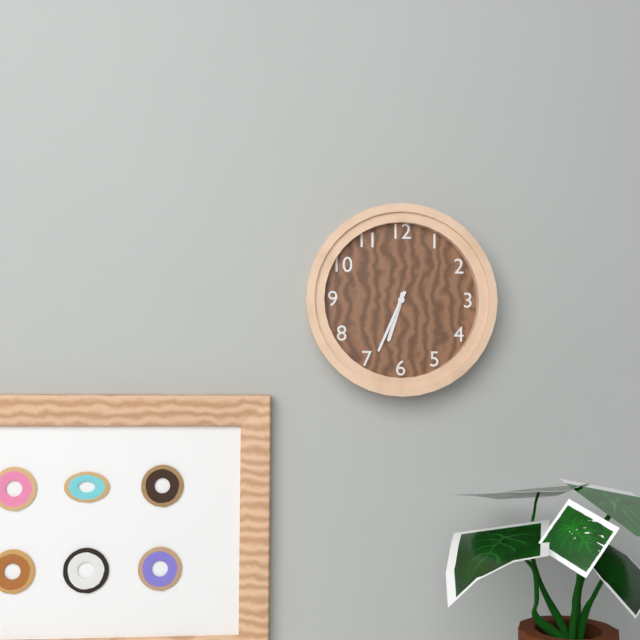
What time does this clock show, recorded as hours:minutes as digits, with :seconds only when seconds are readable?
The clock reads 6:34
